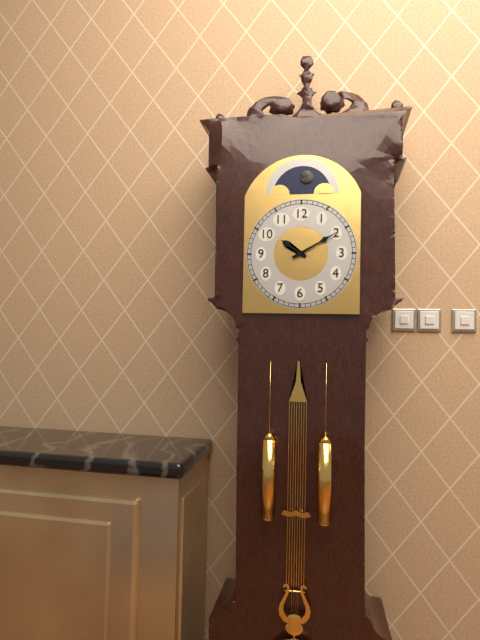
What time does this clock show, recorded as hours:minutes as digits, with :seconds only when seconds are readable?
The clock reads 10:10
